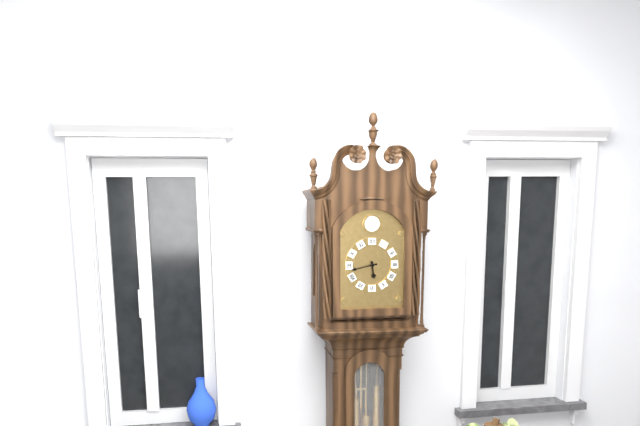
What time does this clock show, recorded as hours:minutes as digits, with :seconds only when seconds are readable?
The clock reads 5:43
